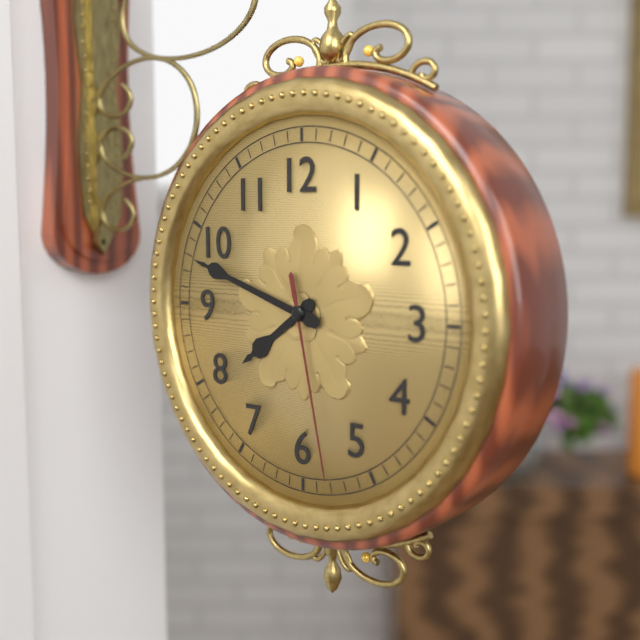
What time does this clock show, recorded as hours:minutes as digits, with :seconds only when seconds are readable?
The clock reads 7:48:28
